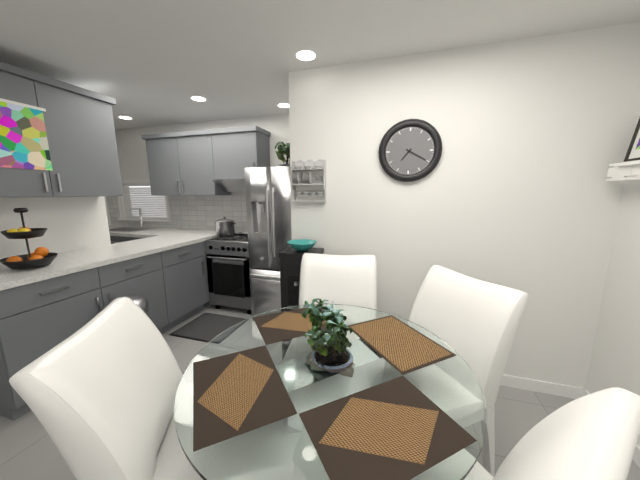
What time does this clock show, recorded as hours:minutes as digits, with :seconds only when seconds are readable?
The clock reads 7:20
